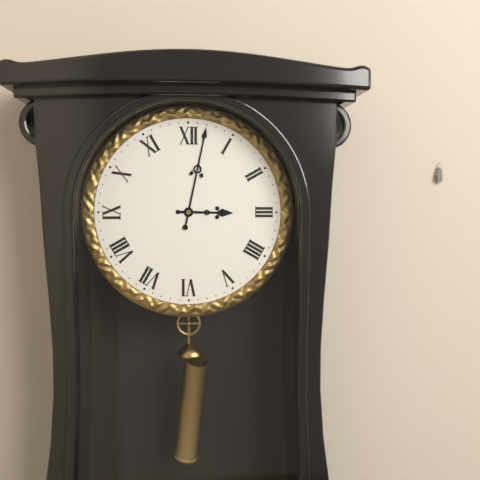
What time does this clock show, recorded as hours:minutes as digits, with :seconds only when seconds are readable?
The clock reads 3:02
